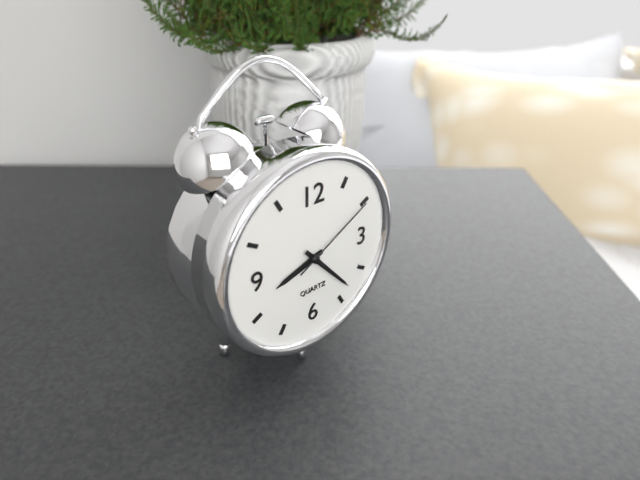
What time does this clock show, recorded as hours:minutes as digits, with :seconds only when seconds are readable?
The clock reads 8:23:10
